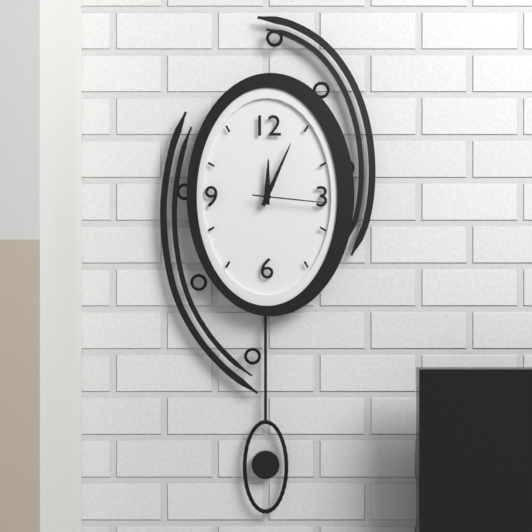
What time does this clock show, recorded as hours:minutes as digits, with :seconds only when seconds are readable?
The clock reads 12:04:16
